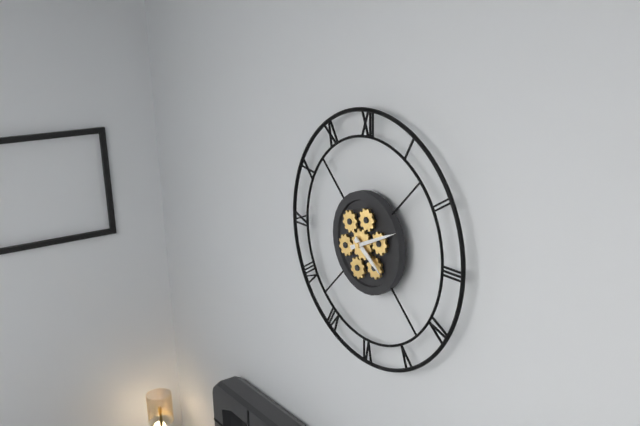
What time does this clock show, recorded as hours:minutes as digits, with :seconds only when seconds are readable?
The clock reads 4:11
